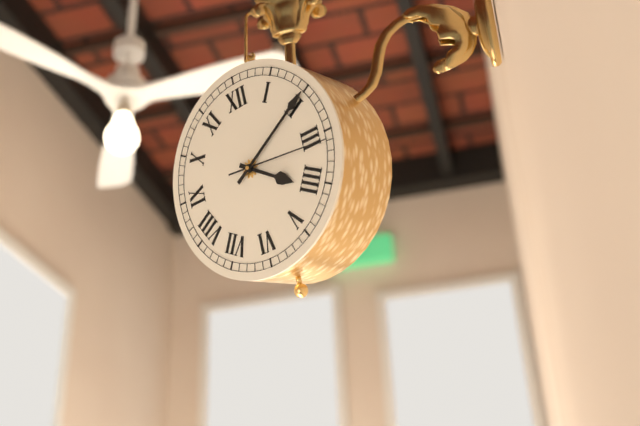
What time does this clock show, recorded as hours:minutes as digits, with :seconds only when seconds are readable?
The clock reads 4:10:16
